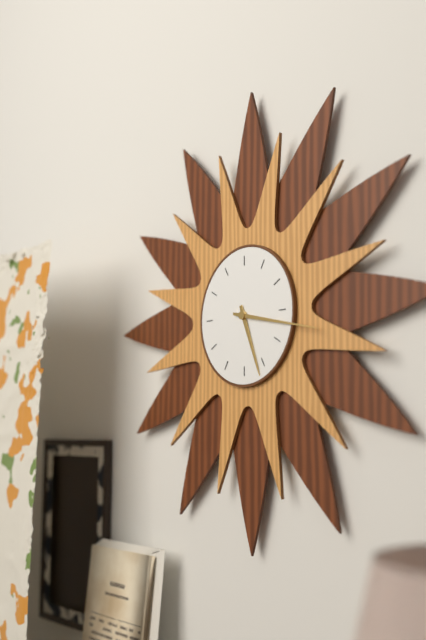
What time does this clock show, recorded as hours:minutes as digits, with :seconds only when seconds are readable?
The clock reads 5:17
